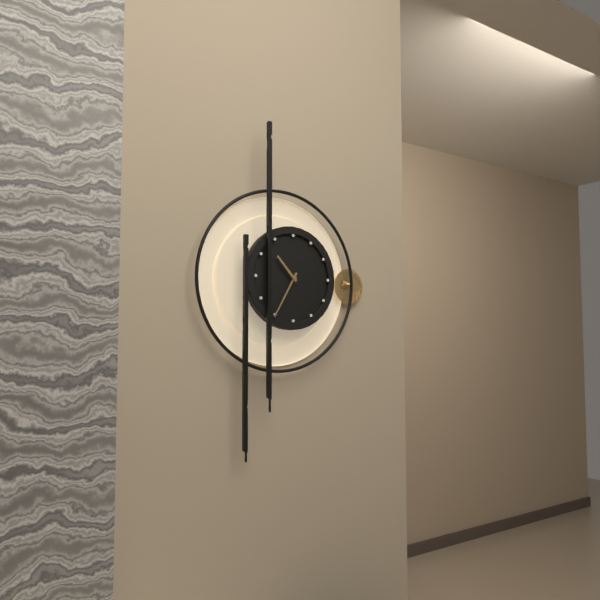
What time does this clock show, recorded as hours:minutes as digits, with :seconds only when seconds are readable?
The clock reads 10:35
